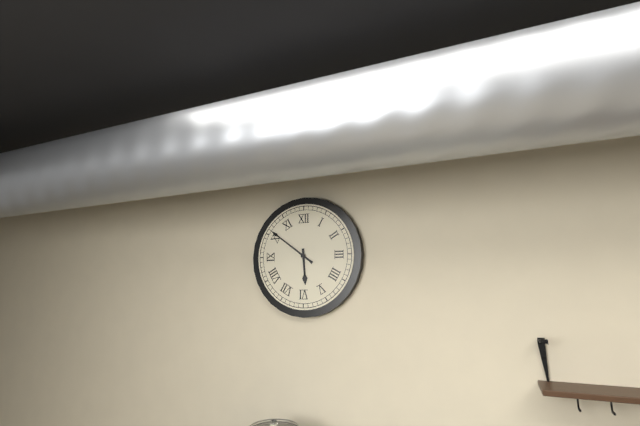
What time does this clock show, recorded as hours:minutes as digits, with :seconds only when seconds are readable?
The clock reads 5:51
